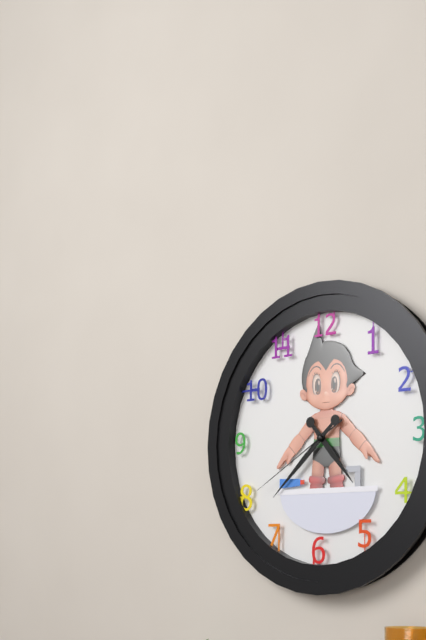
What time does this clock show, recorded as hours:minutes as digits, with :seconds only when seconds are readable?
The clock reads 4:38:40
